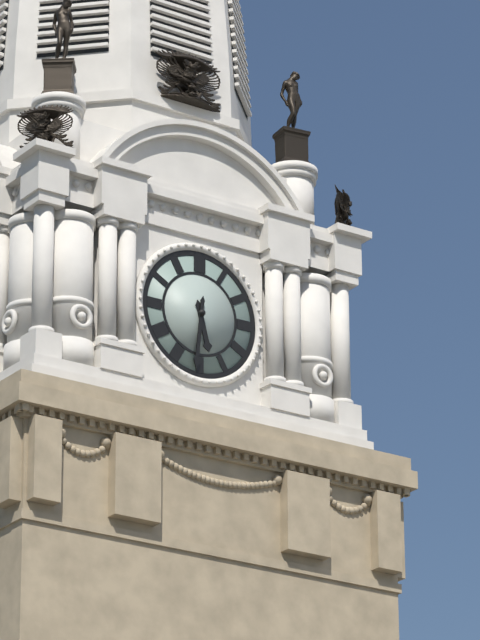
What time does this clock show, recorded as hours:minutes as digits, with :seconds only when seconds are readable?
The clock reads 5:31
